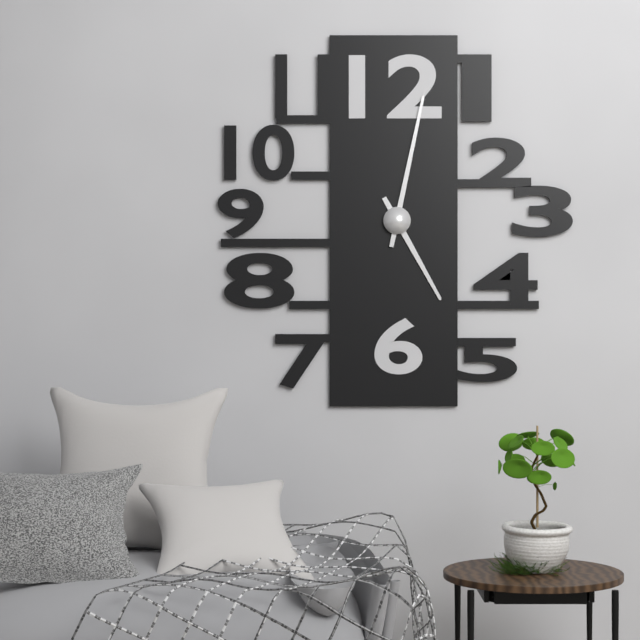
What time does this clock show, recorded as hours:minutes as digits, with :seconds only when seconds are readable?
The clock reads 5:02
